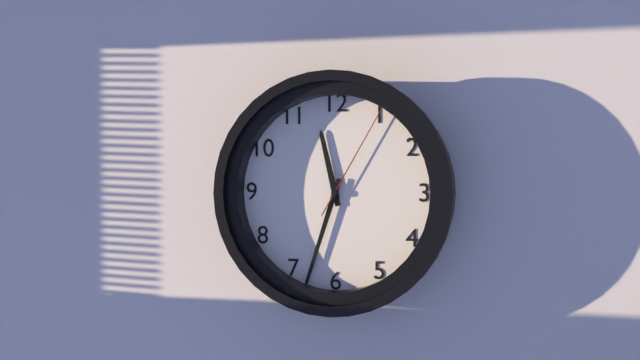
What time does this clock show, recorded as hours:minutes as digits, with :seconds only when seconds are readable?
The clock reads 11:33:05
